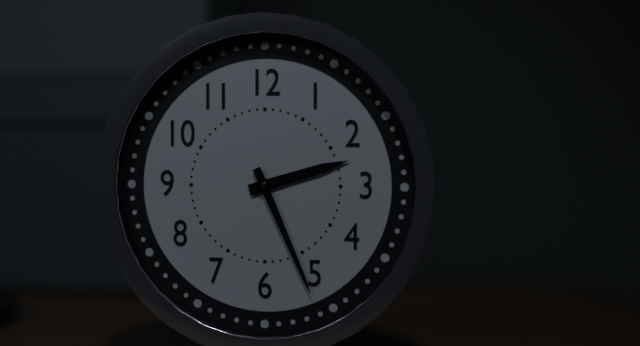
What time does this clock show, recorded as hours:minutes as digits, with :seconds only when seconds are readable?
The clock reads 2:26
